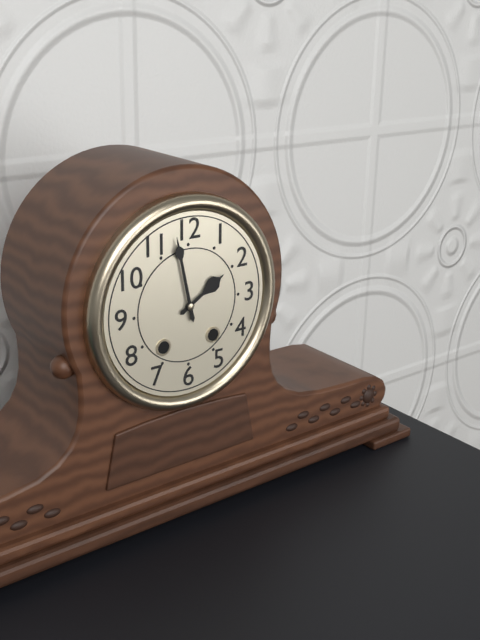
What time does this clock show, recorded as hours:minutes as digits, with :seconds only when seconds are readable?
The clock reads 1:58
